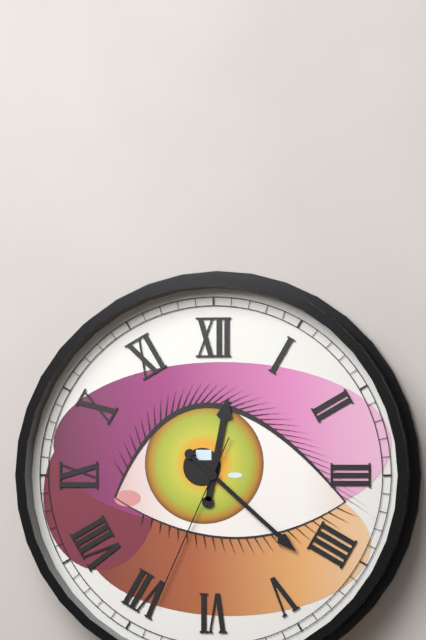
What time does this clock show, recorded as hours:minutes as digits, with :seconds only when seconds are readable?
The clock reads 12:22:34
